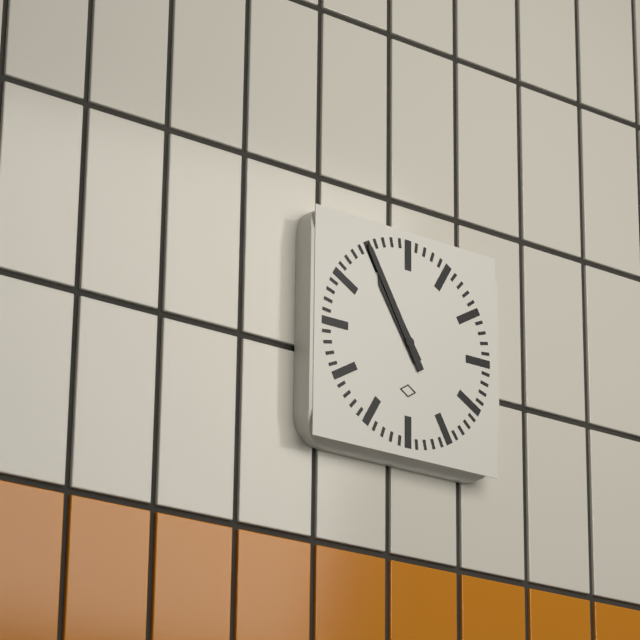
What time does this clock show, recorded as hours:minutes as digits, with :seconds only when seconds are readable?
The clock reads 10:55
